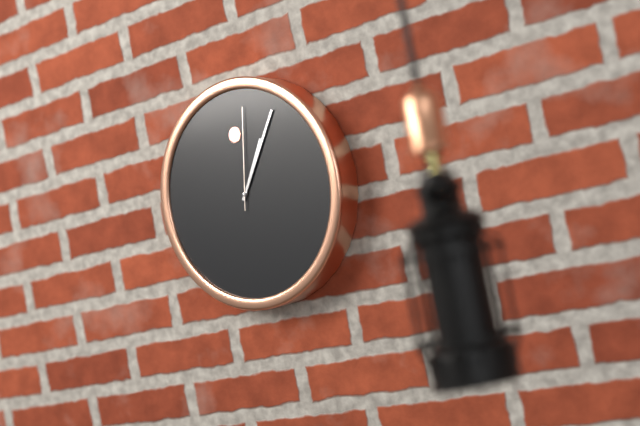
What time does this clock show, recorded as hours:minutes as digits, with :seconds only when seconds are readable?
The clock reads 1:06:02
